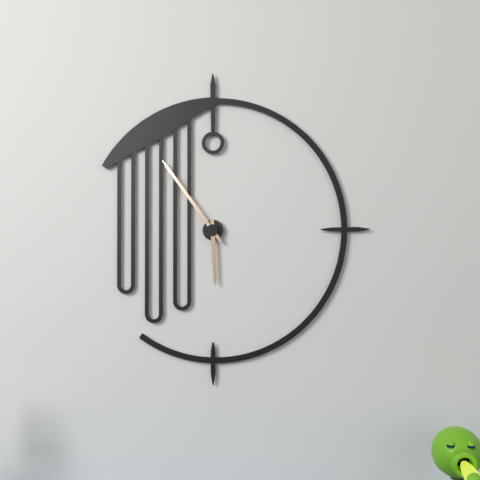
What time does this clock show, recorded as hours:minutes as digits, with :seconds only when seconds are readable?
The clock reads 5:54
